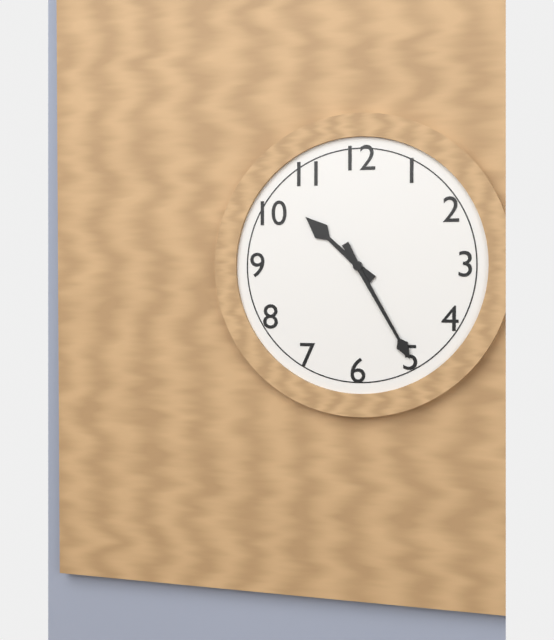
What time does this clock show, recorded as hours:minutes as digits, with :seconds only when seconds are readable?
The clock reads 10:25
